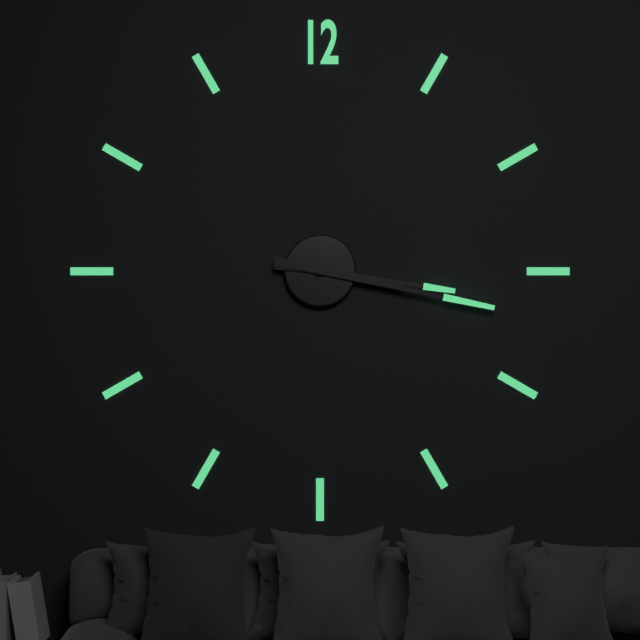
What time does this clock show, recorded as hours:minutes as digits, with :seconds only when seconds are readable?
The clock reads 3:17
